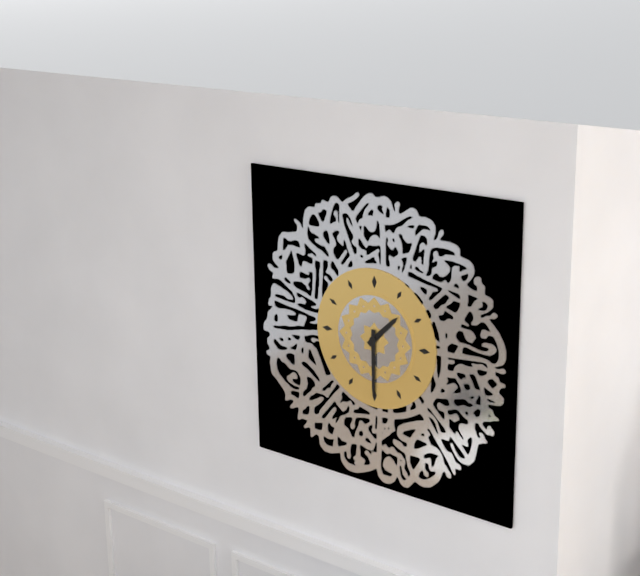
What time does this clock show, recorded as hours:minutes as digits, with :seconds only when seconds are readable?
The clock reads 1:30
